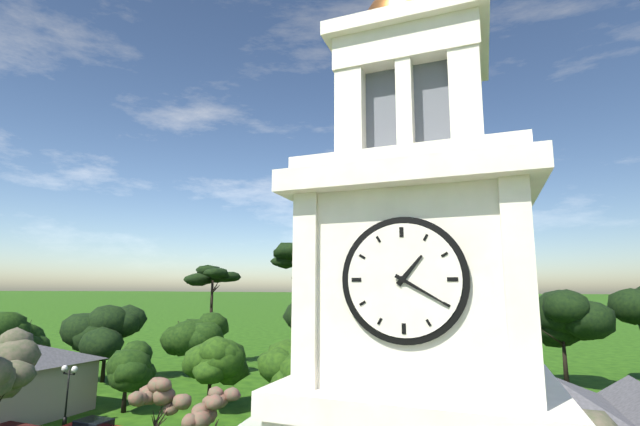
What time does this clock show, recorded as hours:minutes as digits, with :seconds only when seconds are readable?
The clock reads 1:20
